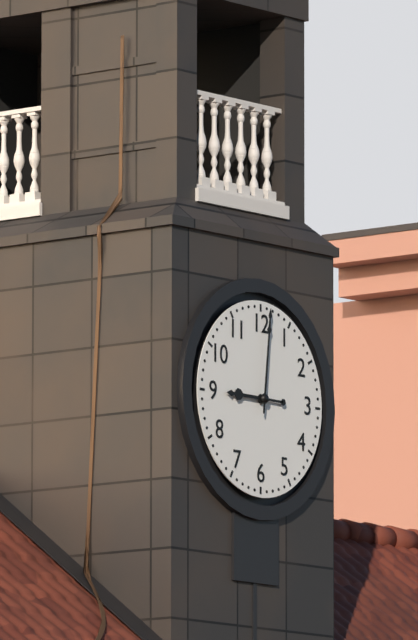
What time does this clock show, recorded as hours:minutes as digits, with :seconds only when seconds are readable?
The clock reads 9:01
